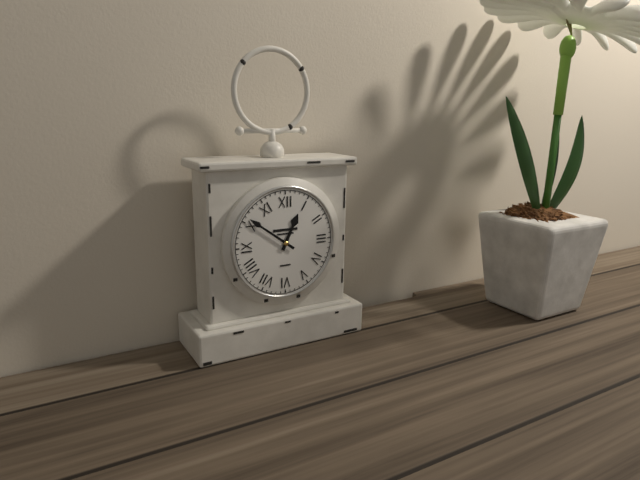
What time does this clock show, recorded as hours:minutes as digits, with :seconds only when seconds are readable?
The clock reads 12:51
